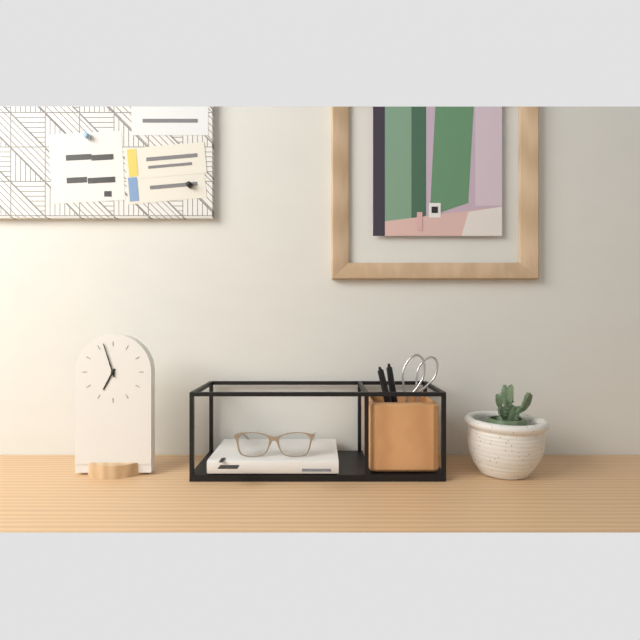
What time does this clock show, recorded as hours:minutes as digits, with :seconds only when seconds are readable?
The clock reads 6:57
